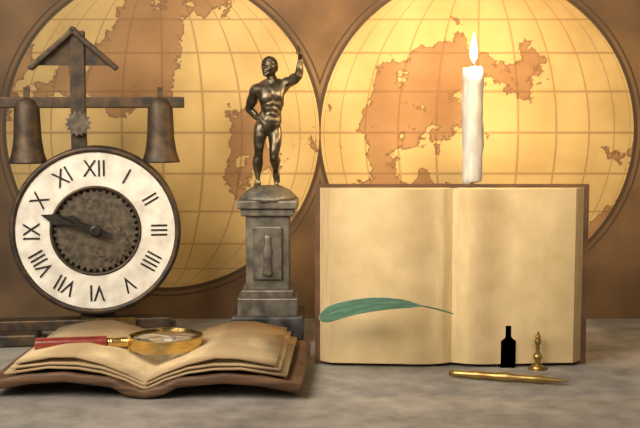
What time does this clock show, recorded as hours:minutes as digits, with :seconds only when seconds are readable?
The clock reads 9:48
